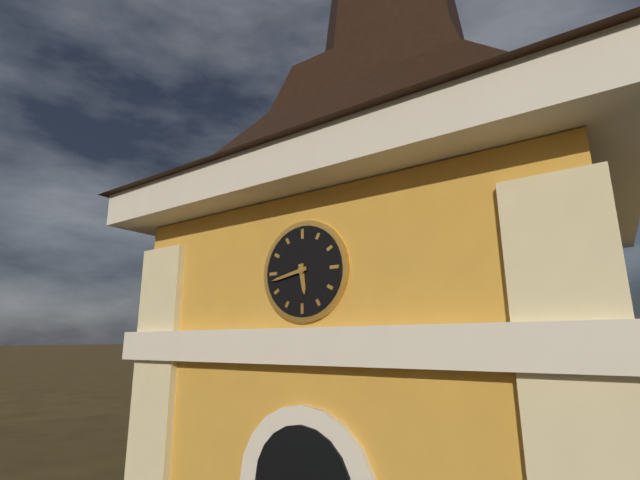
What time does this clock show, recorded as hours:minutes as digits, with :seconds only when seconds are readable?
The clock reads 5:43
